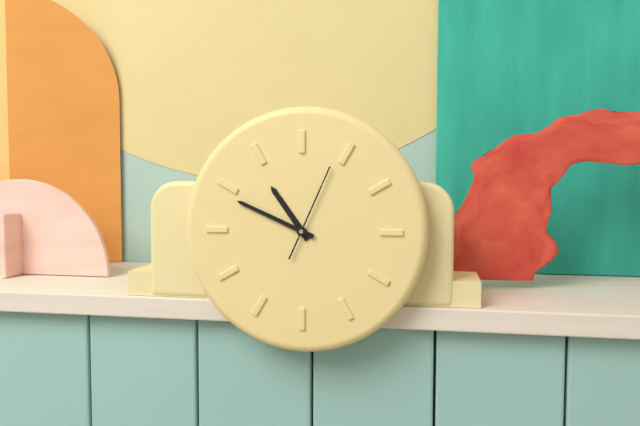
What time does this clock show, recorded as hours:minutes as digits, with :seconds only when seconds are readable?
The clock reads 10:49:04
